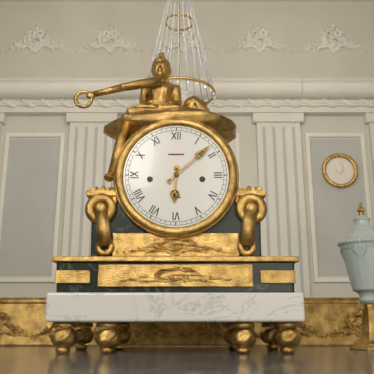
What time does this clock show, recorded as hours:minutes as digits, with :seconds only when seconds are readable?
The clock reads 6:08
